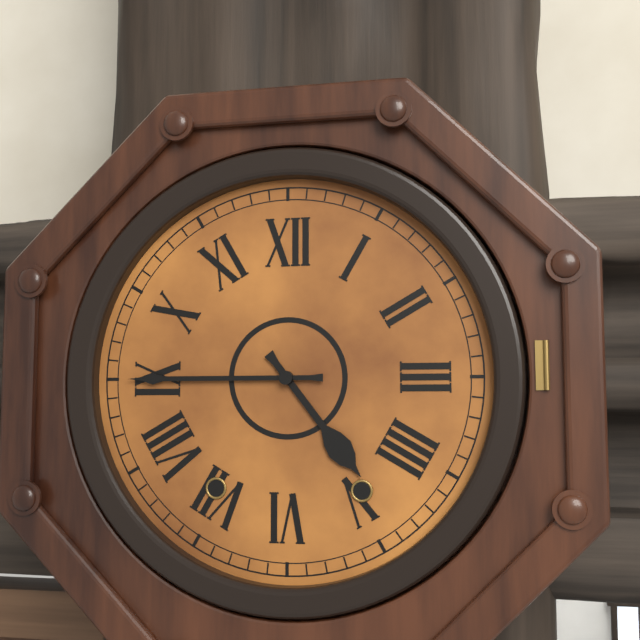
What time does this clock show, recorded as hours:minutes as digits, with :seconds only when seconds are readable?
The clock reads 4:45
